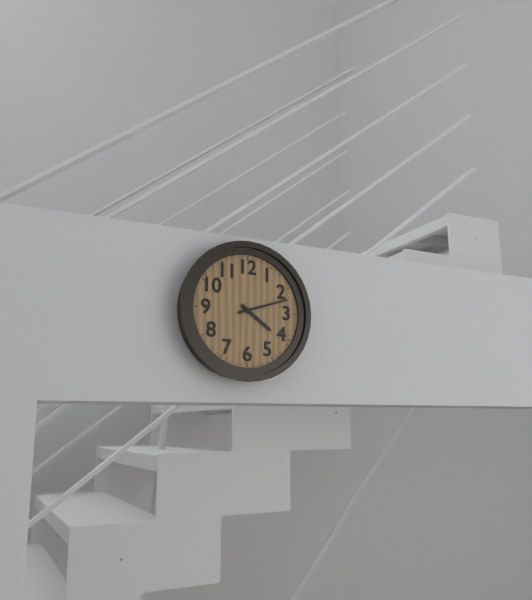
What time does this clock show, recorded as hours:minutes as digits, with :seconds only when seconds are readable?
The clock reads 4:12
